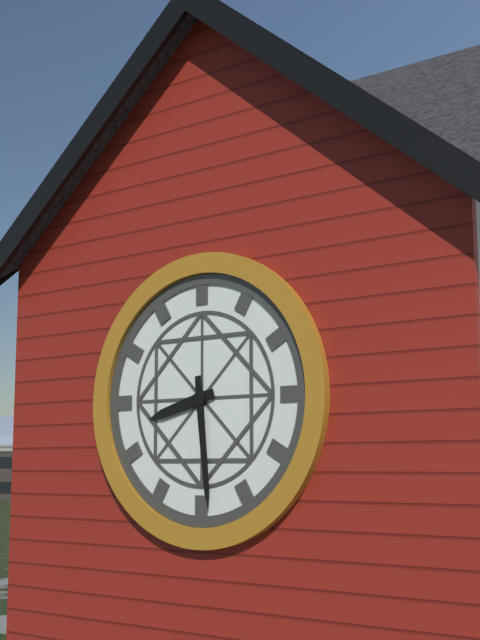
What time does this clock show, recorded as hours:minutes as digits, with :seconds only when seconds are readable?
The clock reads 8:29
